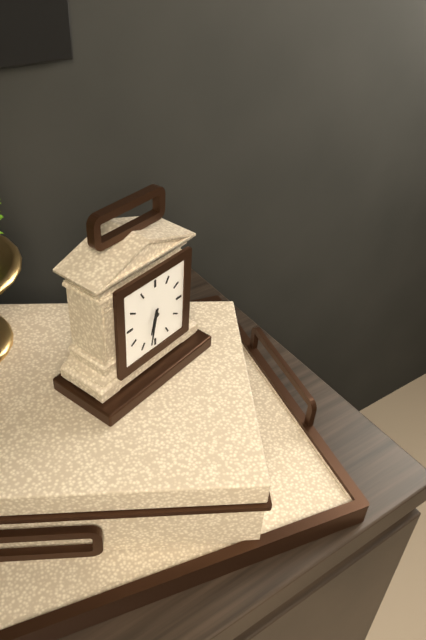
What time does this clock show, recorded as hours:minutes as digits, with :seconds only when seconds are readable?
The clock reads 6:32
